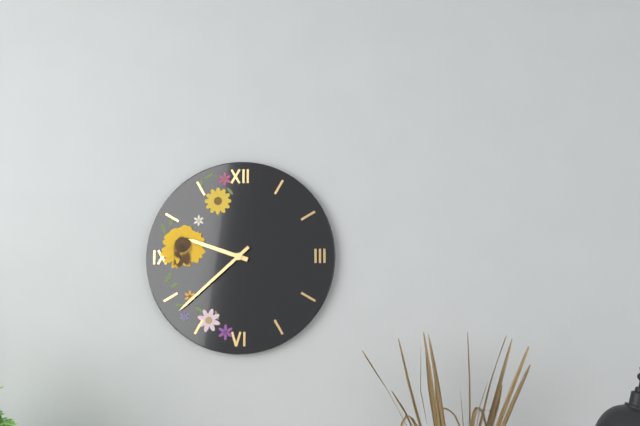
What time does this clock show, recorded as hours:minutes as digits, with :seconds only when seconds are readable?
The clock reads 9:38
